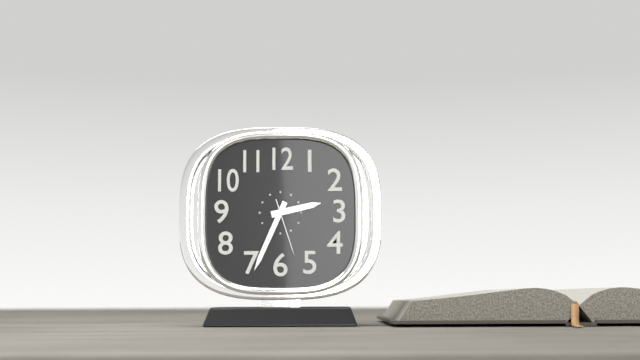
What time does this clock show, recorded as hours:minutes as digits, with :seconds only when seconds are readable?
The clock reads 2:34:27
